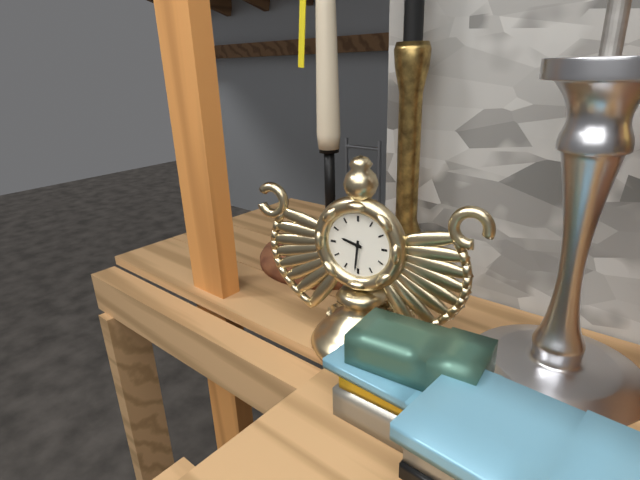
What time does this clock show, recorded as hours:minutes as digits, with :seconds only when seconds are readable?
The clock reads 9:31
